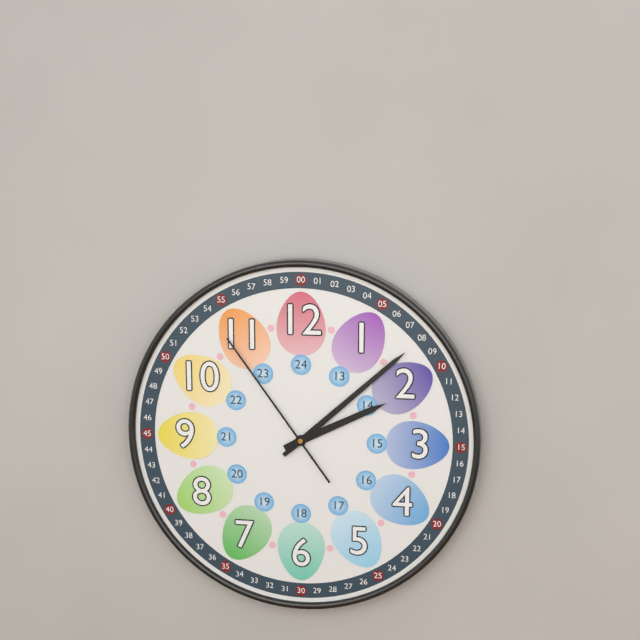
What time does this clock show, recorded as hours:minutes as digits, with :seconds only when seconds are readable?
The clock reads 2:08:54
